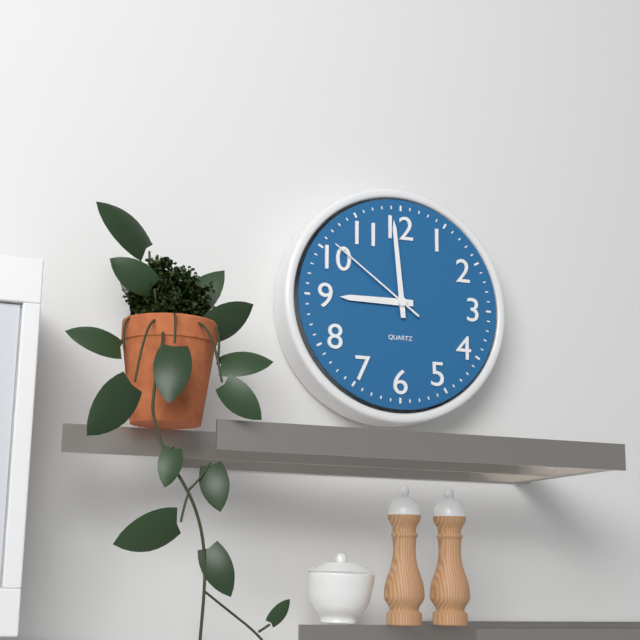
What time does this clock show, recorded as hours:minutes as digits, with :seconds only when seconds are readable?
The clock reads 8:59:51
